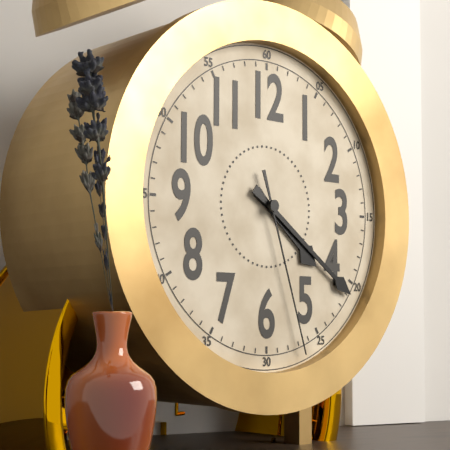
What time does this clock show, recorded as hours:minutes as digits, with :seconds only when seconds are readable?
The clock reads 4:21:27
